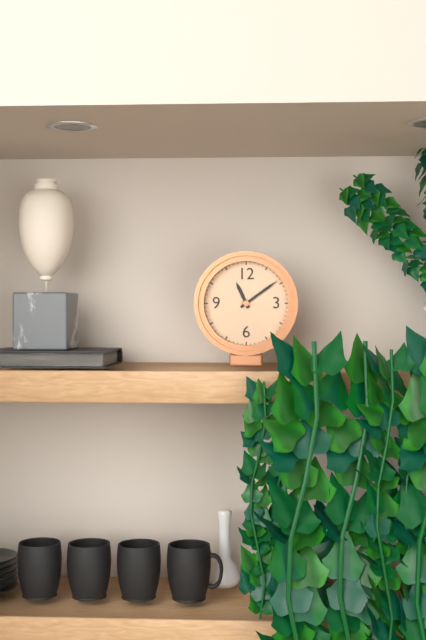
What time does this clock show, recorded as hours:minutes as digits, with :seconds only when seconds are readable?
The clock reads 11:09
